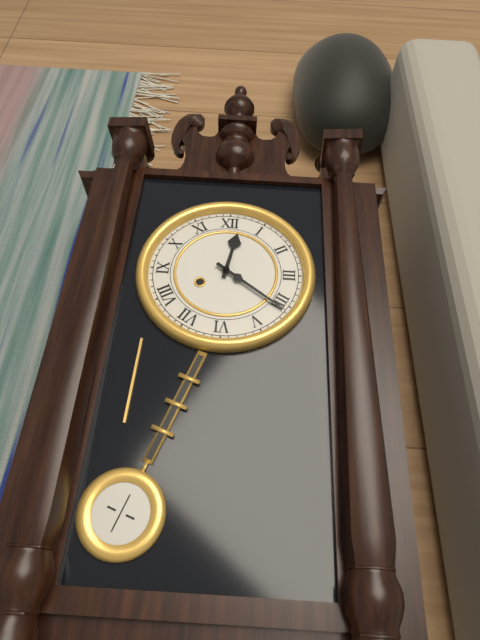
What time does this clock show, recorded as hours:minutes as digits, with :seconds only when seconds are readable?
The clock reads 12:21
